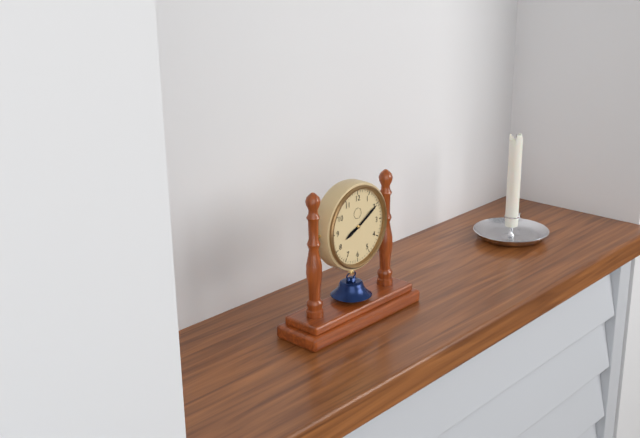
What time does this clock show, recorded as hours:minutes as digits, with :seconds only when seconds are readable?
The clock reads 8:10
